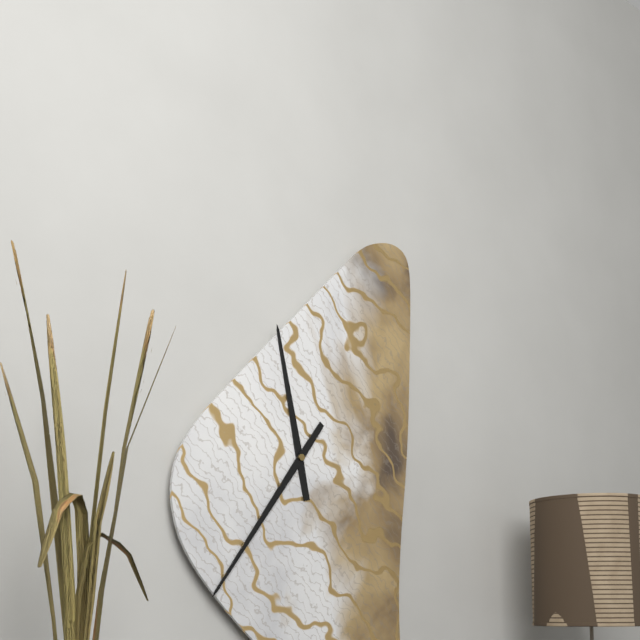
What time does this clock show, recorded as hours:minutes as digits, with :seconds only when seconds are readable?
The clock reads 11:36
